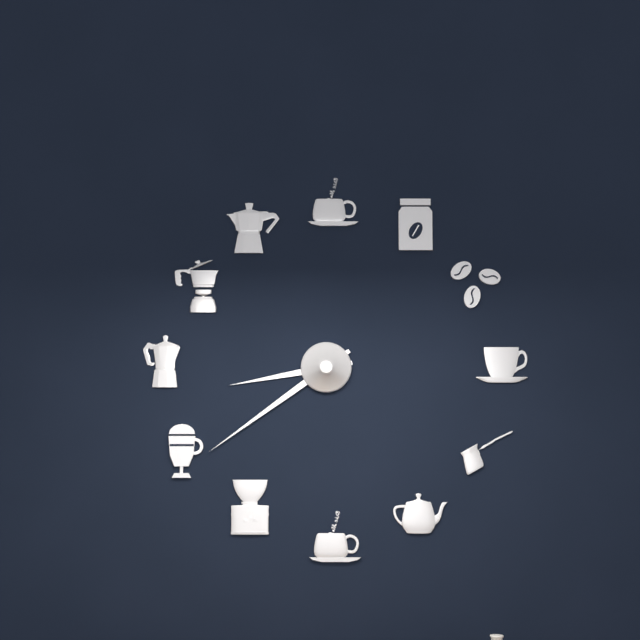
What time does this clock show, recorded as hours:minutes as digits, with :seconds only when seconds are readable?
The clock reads 8:39
